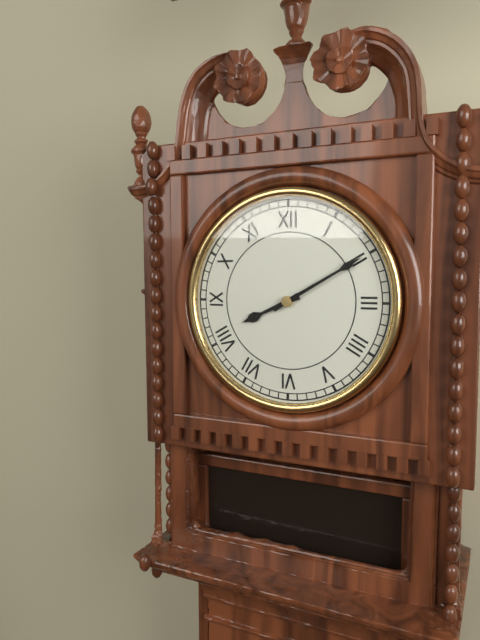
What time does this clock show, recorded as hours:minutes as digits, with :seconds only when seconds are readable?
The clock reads 8:10
